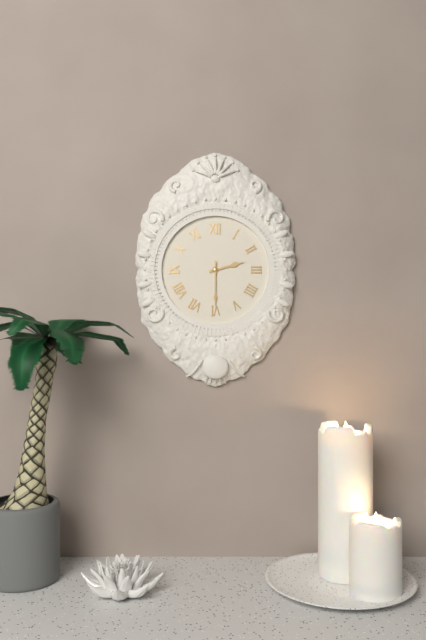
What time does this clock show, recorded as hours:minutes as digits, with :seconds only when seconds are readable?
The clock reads 2:30
